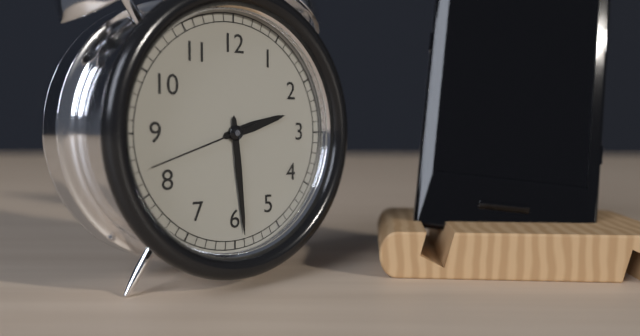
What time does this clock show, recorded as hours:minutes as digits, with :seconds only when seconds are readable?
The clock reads 2:29:42
